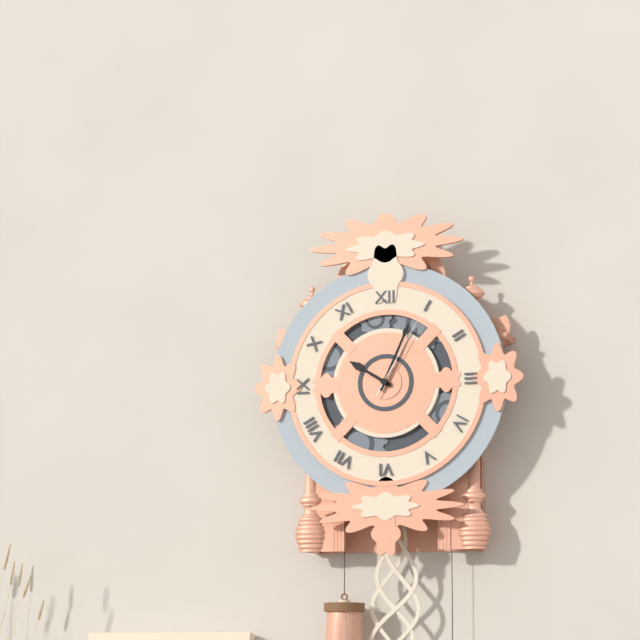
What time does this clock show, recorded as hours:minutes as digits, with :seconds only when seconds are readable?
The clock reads 10:04:05
